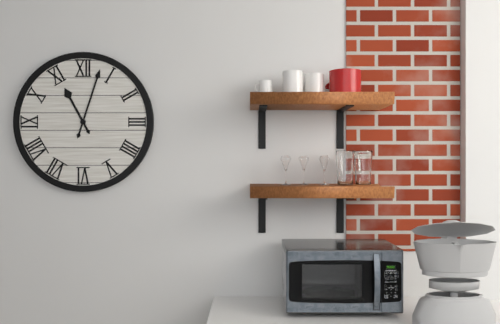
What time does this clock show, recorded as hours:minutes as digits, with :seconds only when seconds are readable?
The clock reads 11:03
